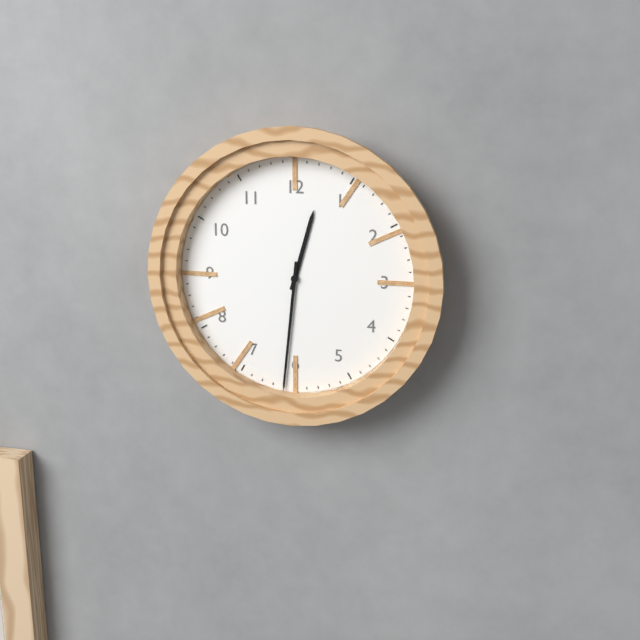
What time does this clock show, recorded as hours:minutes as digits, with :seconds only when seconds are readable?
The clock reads 12:31
